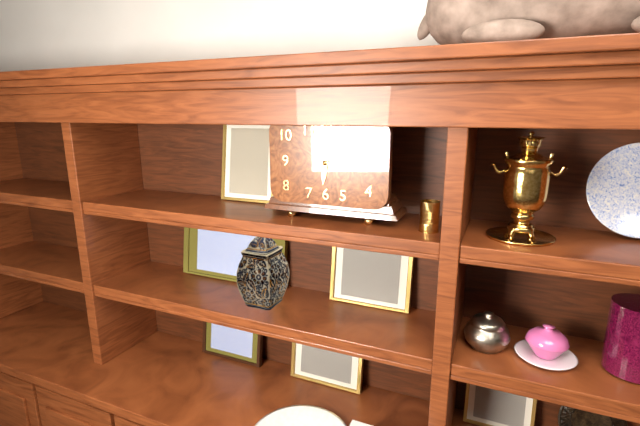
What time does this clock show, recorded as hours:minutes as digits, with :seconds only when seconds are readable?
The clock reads 6:15
